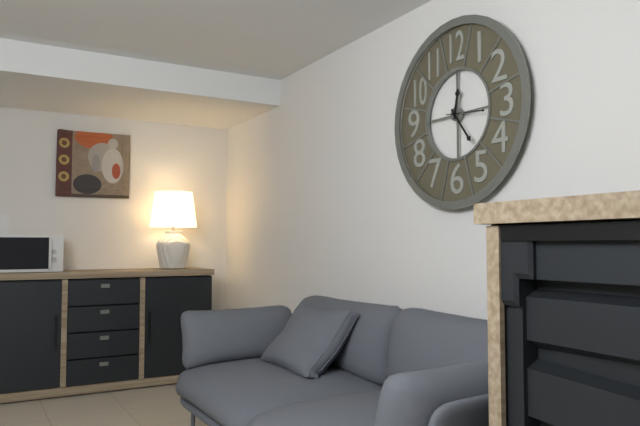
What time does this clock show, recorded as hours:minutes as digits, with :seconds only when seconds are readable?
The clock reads 12:24
